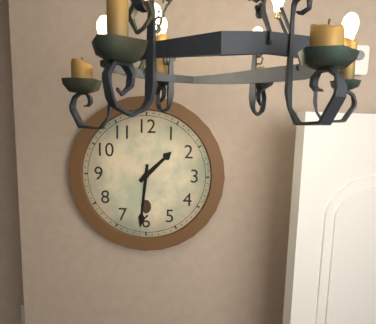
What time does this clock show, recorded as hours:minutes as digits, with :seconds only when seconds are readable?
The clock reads 1:31
